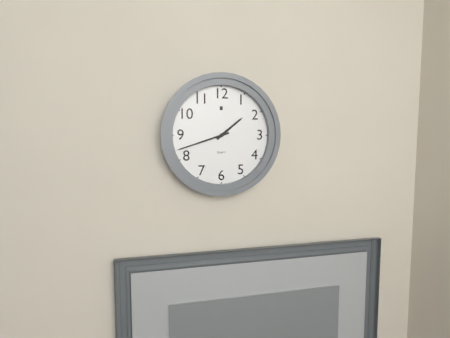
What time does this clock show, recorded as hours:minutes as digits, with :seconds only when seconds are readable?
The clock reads 1:42
